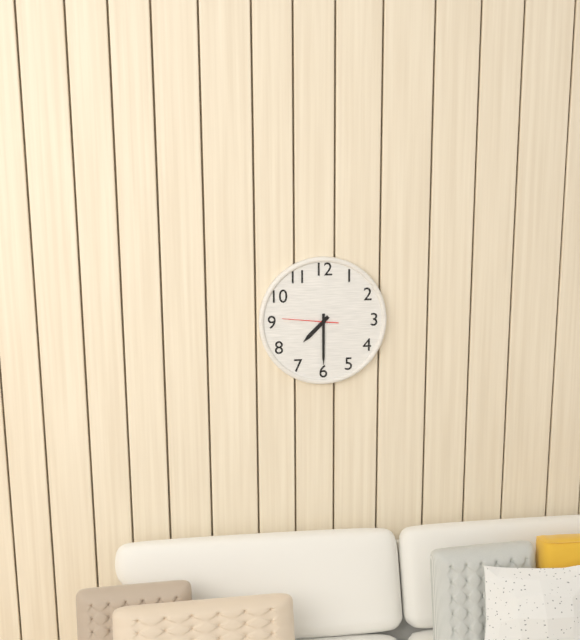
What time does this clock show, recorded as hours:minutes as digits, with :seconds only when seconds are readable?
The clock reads 7:30:46
